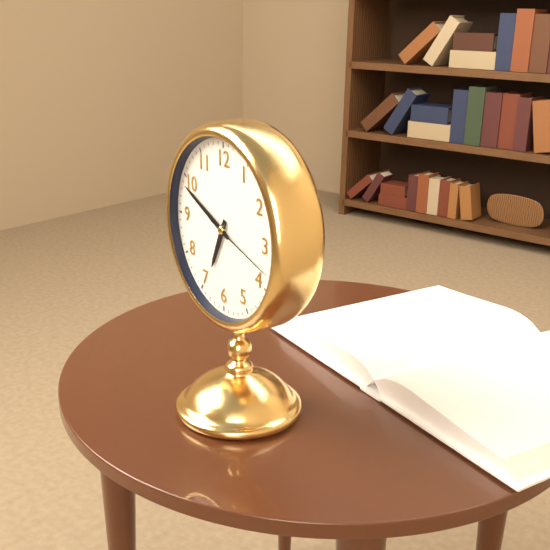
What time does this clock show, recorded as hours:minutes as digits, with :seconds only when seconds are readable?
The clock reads 6:49:18
